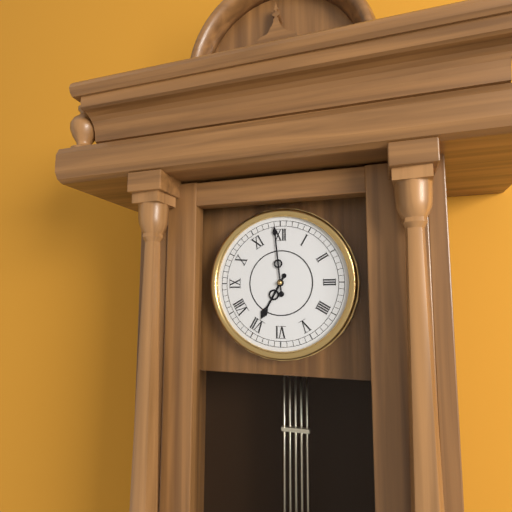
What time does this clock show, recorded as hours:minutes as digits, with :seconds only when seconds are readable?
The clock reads 6:59
